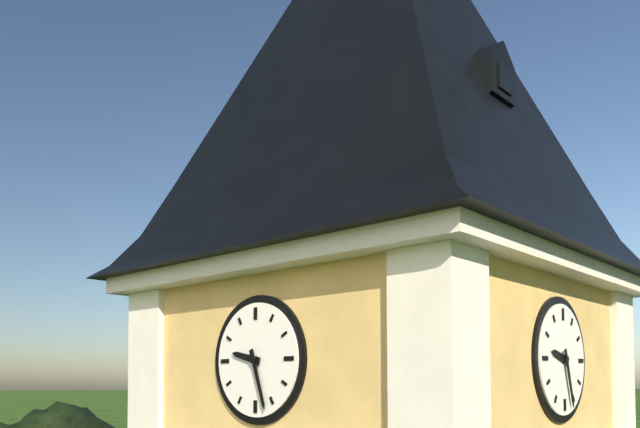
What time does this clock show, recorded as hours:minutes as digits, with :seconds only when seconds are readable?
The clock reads 9:27
